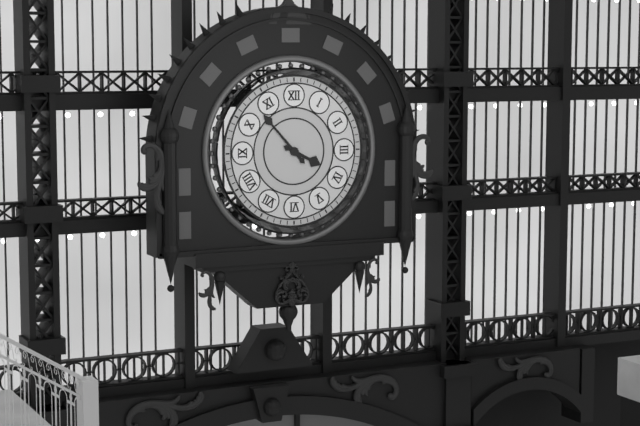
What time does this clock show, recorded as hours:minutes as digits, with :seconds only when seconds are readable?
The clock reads 3:53
